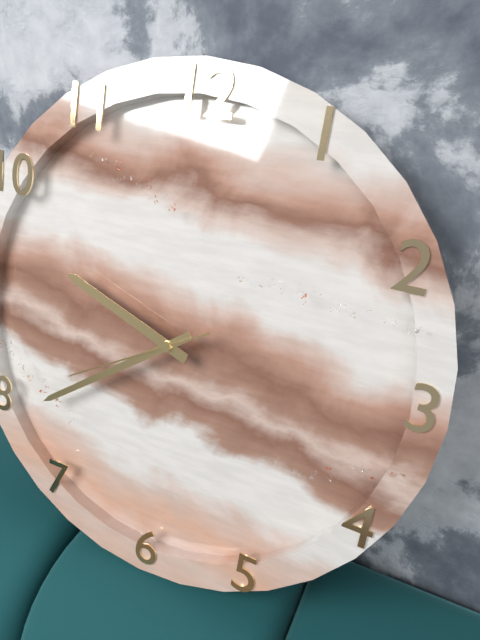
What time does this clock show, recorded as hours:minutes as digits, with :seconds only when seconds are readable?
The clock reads 9:39:40
